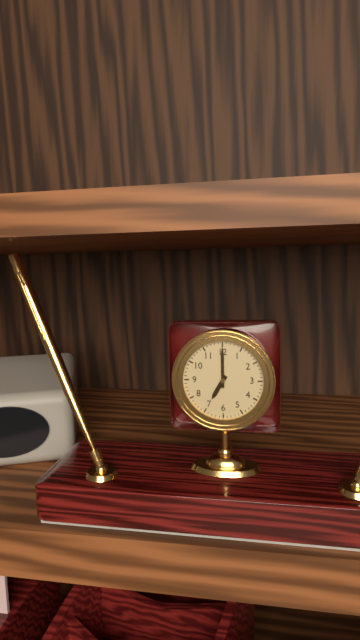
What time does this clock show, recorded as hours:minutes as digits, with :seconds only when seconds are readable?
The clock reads 7:00
